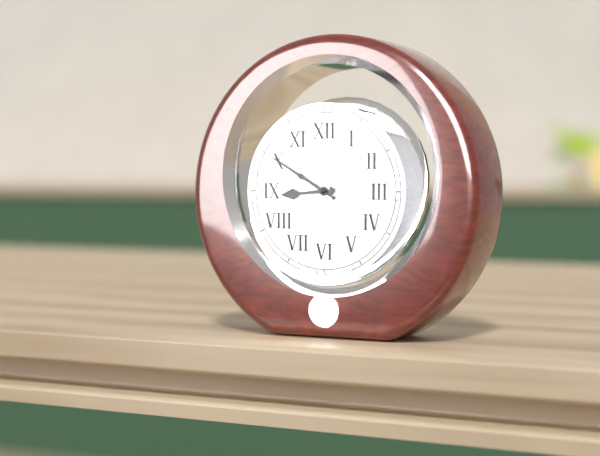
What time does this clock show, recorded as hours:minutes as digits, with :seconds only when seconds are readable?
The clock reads 8:50
